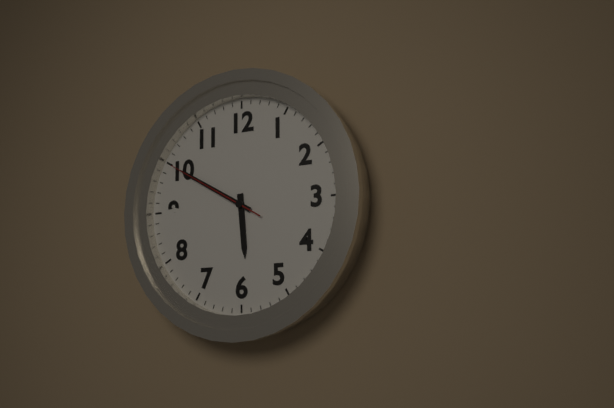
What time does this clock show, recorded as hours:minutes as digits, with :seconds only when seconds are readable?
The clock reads 5:50:50
